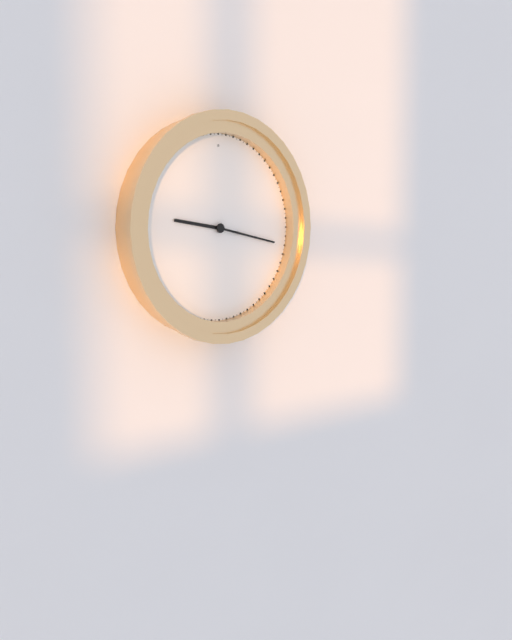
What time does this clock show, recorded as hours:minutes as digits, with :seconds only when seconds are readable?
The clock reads 9:17
